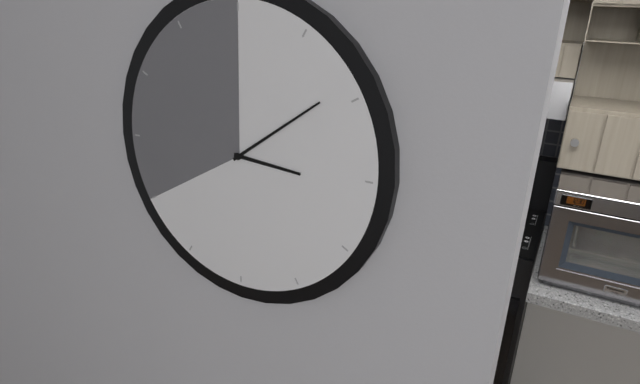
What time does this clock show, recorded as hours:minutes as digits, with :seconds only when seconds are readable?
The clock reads 3:09
